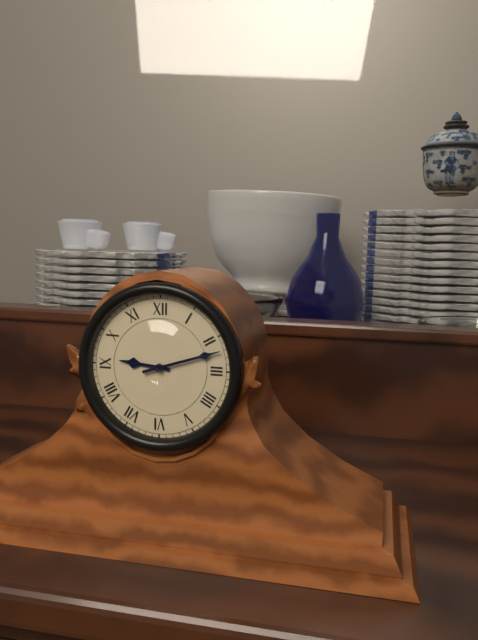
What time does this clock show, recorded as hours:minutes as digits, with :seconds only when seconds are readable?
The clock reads 9:12
